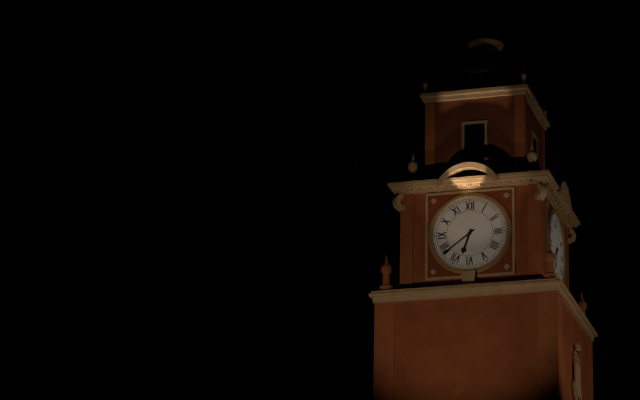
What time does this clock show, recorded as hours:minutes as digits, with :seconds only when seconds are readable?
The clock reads 6:39
